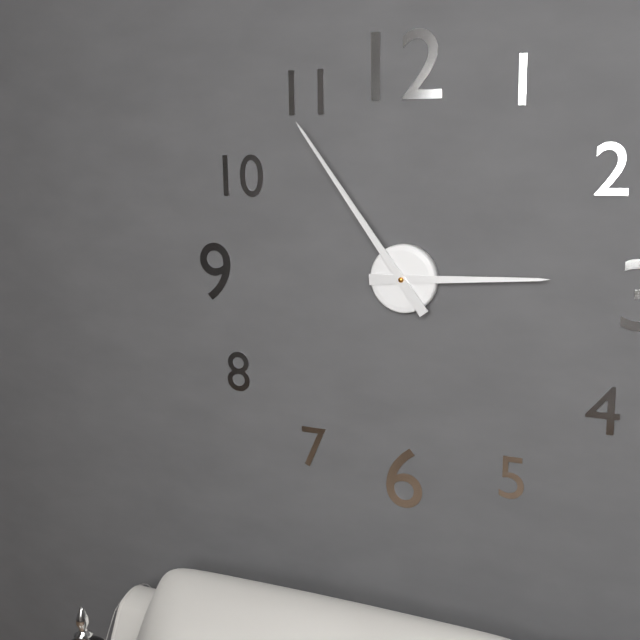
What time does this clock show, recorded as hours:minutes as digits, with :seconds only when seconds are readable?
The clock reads 2:54
